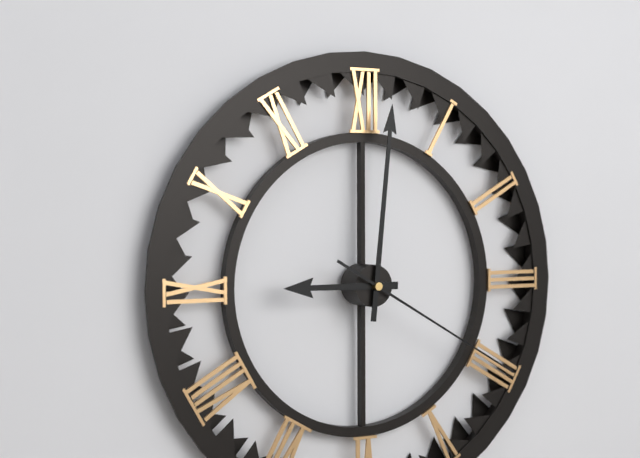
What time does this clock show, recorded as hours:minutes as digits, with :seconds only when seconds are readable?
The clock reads 9:01:20
